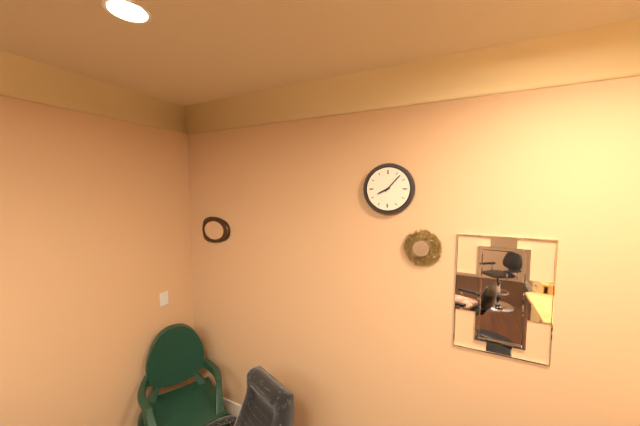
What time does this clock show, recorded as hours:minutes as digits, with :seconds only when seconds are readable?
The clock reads 8:07
